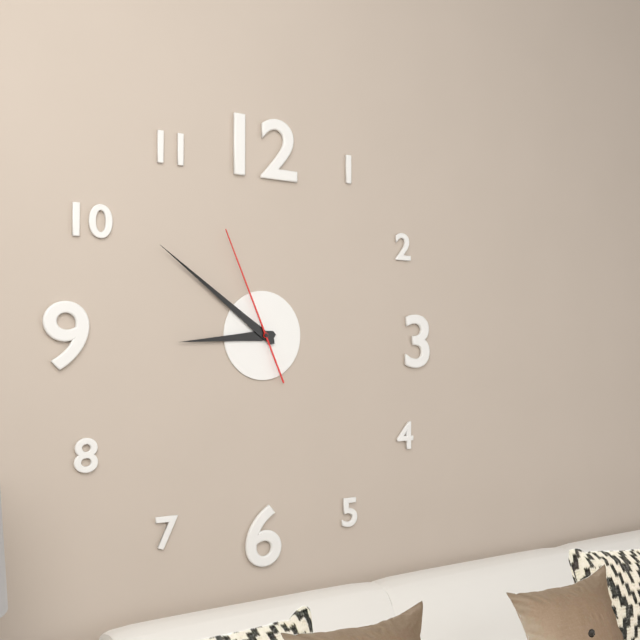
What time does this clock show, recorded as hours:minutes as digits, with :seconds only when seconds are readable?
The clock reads 8:51:56
